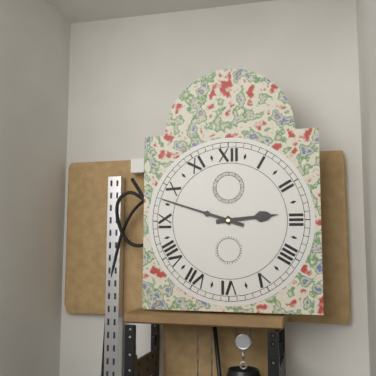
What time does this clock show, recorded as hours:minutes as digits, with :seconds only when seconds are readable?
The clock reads 2:48
